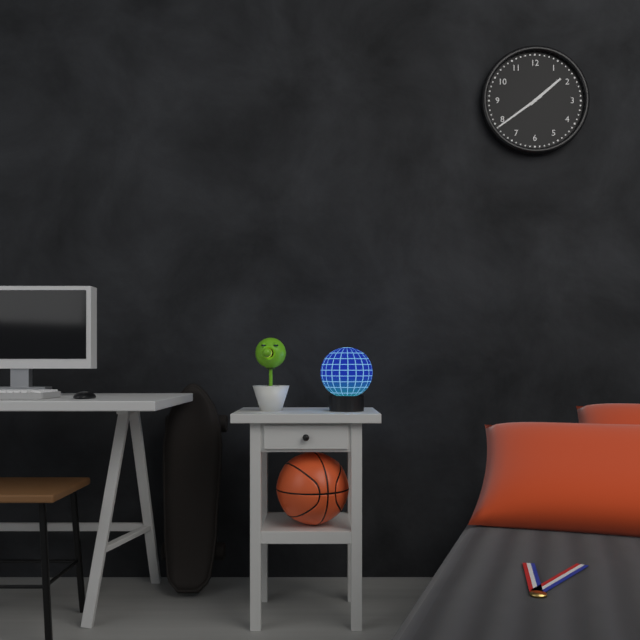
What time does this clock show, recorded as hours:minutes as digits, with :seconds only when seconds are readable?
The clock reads 1:39
